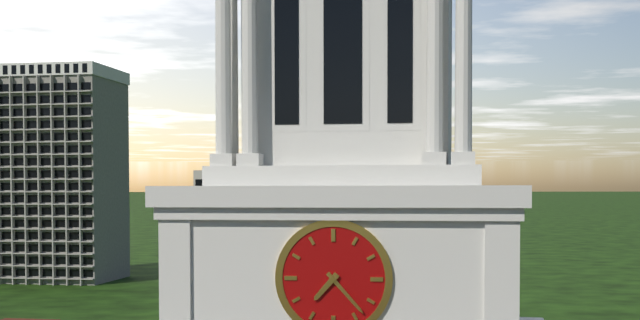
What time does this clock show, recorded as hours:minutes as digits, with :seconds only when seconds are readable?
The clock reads 7:23
